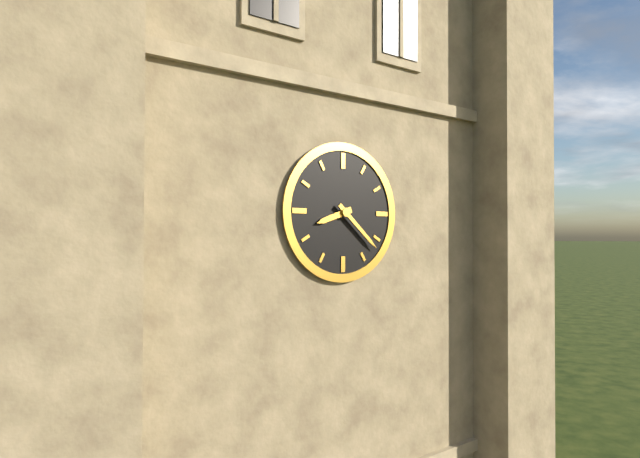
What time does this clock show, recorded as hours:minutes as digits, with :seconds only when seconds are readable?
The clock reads 8:22
